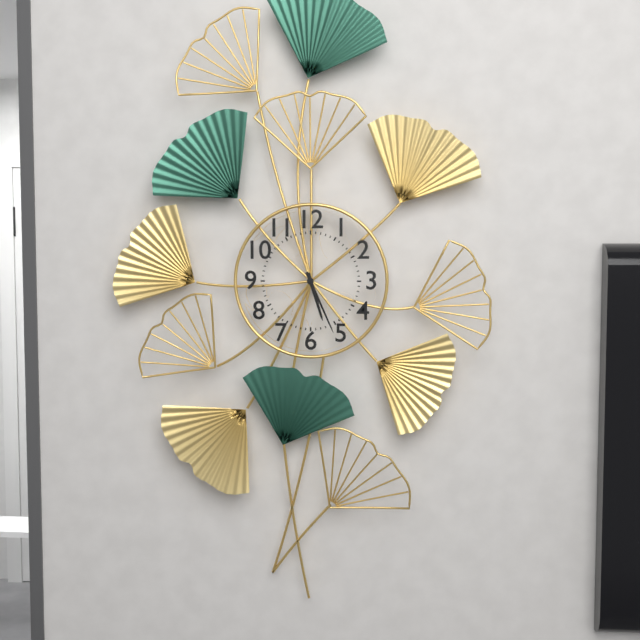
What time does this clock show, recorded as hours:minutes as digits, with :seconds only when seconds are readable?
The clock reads 5:26
